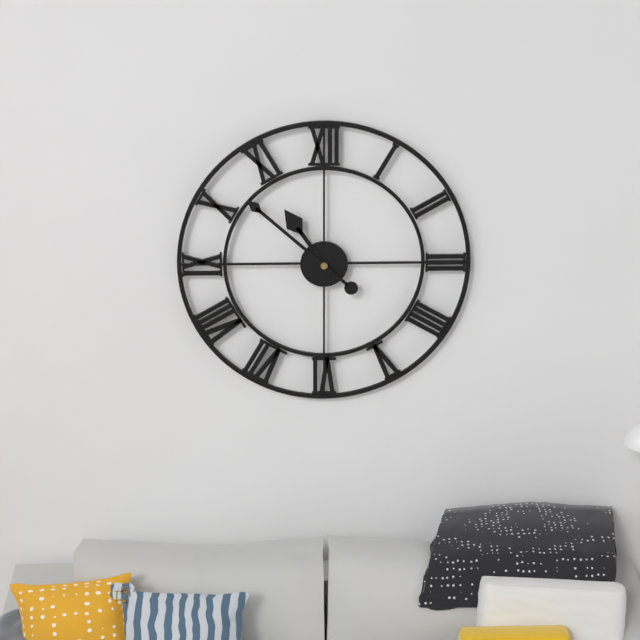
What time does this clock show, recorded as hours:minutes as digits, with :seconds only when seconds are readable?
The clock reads 10:52
